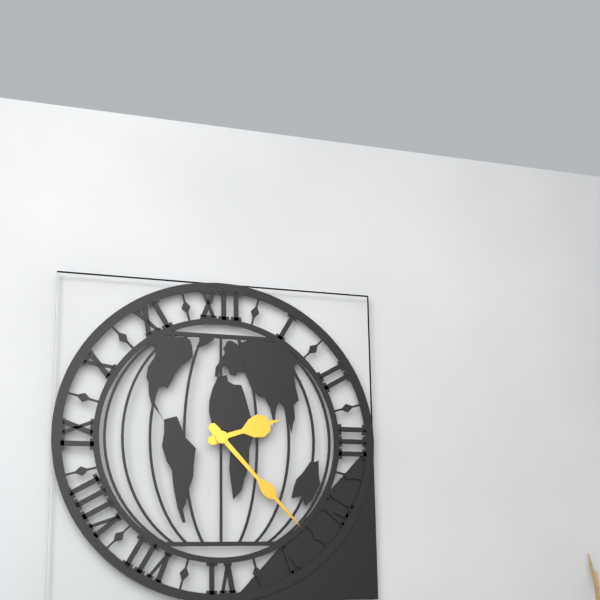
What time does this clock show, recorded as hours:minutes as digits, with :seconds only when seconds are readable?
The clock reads 2:23
